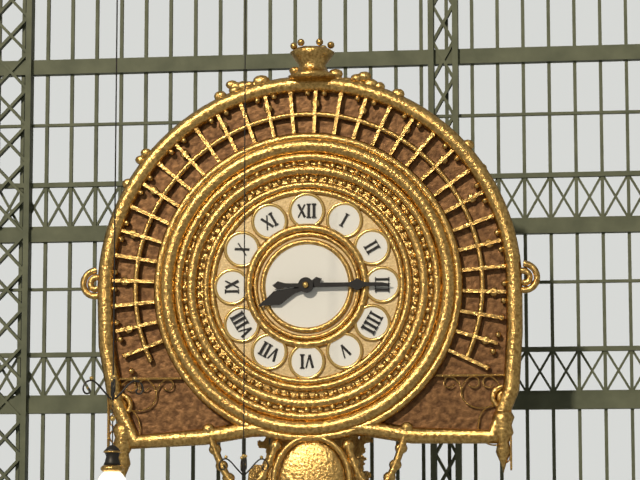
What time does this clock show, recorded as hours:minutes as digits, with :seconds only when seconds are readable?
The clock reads 8:15
